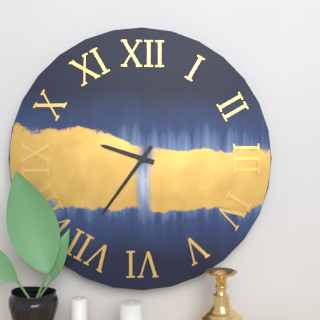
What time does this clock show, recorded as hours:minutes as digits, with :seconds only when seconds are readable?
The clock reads 9:36
